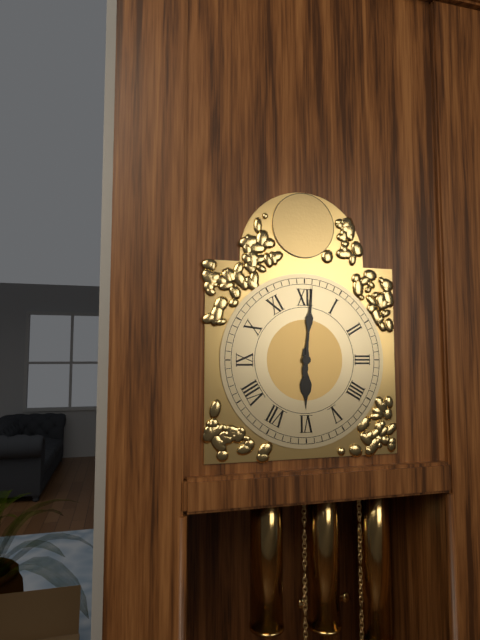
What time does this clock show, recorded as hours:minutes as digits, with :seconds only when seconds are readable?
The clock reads 6:01
